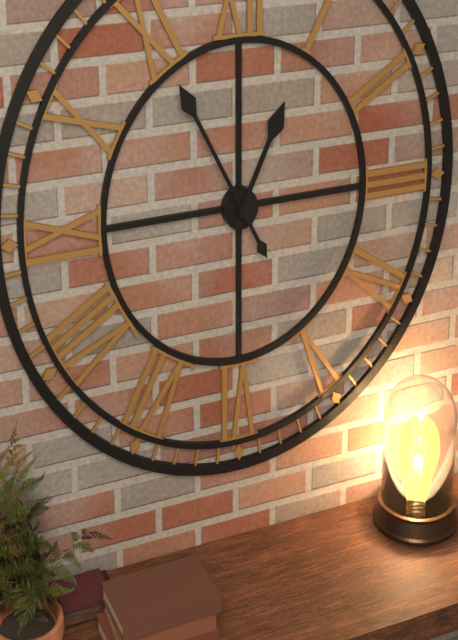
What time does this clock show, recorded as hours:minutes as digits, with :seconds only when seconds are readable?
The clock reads 12:55
